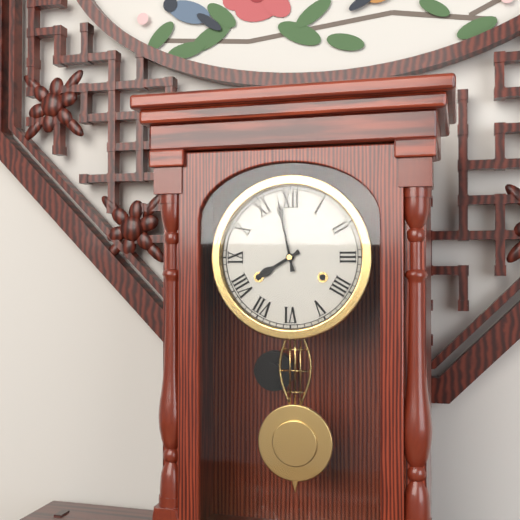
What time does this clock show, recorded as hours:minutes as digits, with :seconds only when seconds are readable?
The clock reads 7:58
